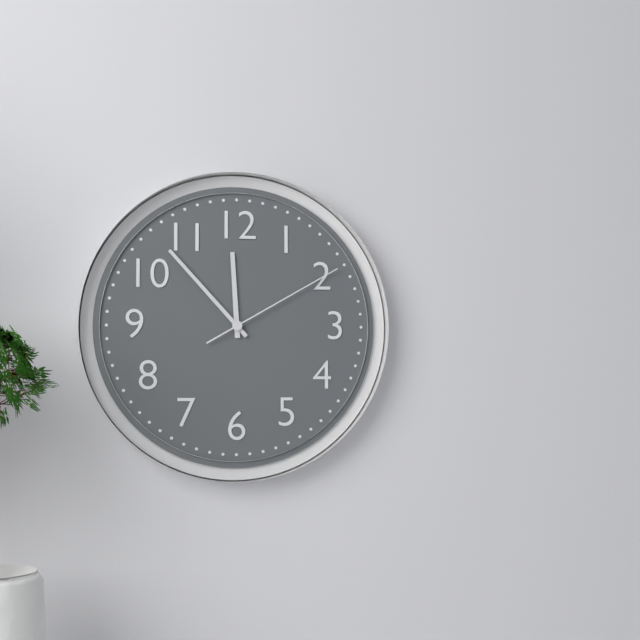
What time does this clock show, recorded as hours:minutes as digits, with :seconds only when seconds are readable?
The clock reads 11:53:10
